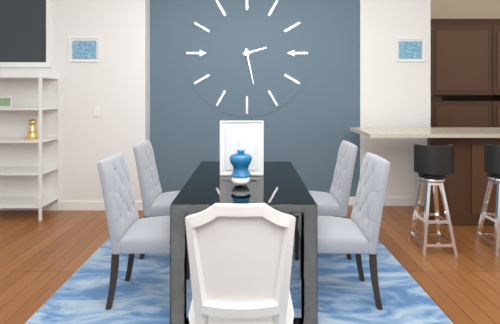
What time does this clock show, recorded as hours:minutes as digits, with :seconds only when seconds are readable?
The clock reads 2:28
